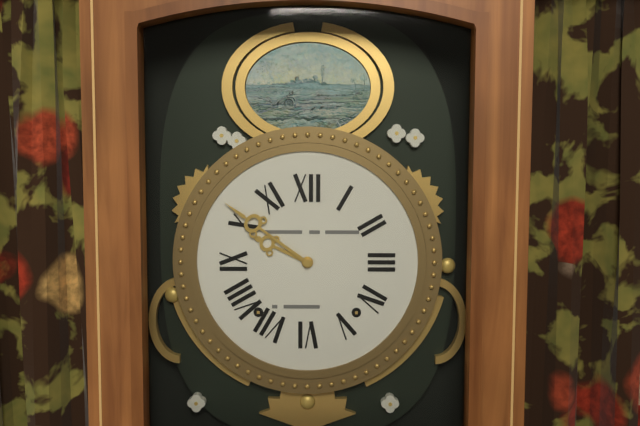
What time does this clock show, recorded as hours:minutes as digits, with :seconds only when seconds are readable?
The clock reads 9:51
